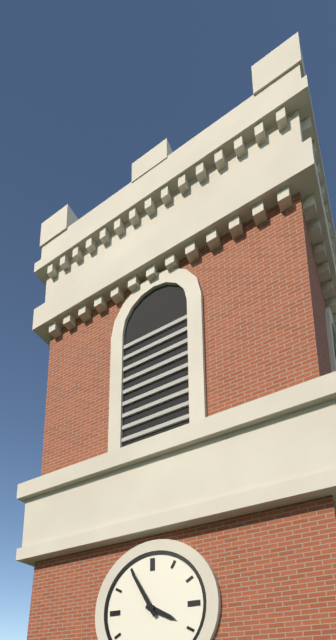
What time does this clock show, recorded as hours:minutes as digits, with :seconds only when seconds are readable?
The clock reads 3:55
